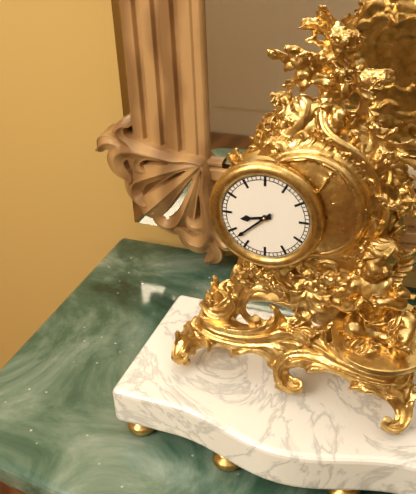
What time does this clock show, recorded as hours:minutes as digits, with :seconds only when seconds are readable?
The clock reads 8:38
